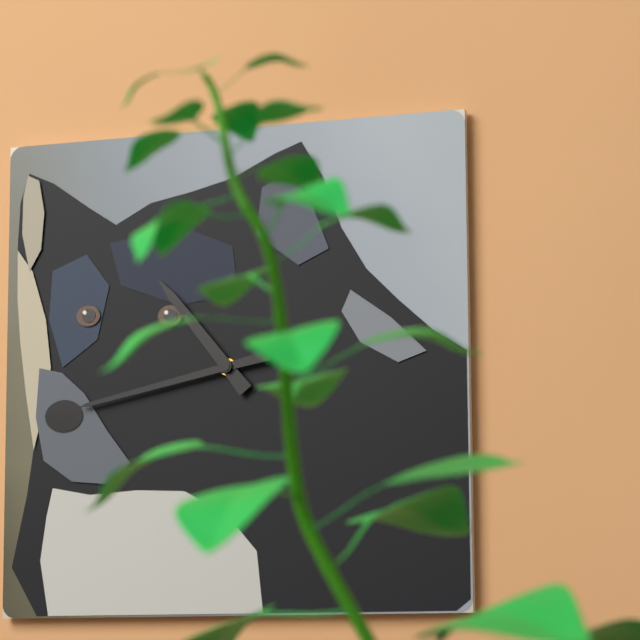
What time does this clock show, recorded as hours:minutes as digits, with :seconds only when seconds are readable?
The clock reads 10:43
